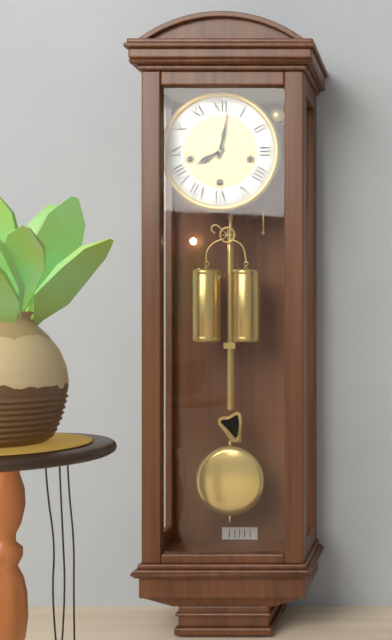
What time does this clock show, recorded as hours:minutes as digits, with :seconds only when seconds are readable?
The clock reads 8:02
